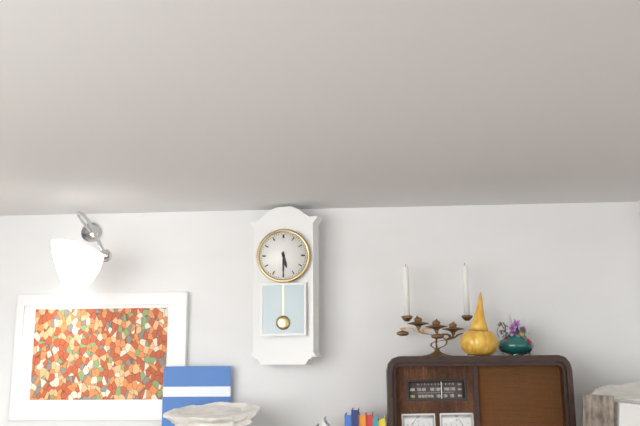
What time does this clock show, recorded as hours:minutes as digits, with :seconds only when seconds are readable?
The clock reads 5:30
